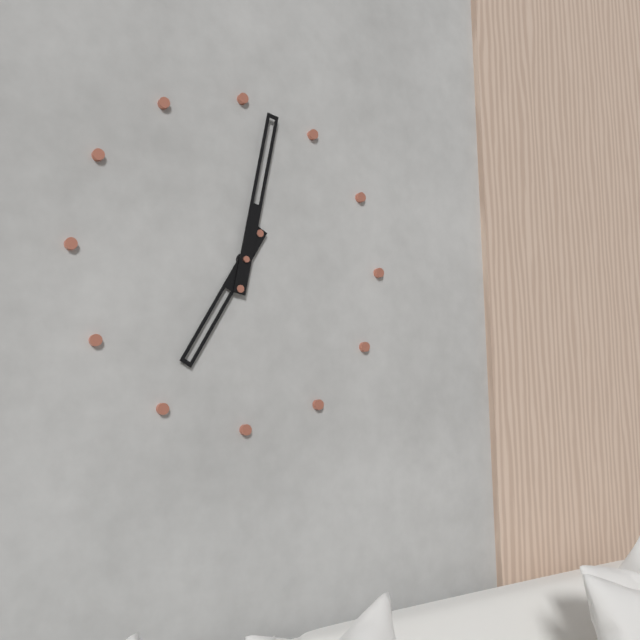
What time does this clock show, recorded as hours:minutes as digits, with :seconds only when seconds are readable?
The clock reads 7:02
